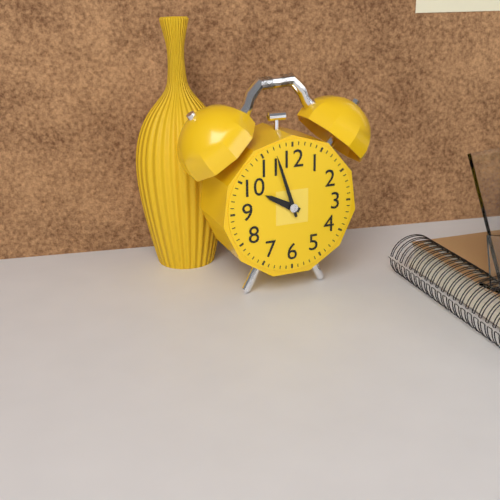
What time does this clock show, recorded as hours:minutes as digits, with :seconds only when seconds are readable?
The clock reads 9:57
